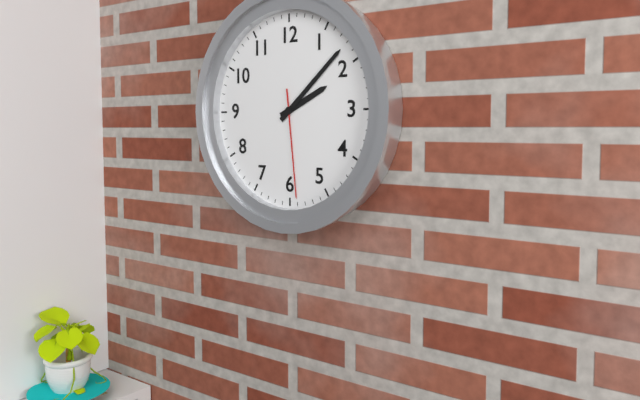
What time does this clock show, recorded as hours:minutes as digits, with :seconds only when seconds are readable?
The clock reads 2:08:29
